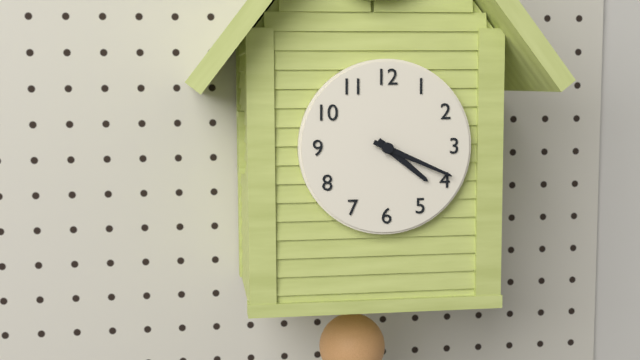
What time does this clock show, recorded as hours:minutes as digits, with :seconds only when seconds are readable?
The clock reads 4:19
